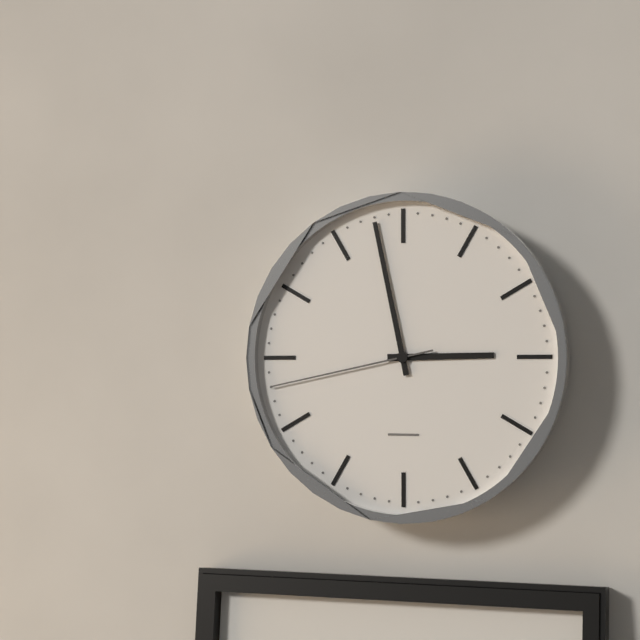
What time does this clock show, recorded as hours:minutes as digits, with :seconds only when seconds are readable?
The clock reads 2:58:43
